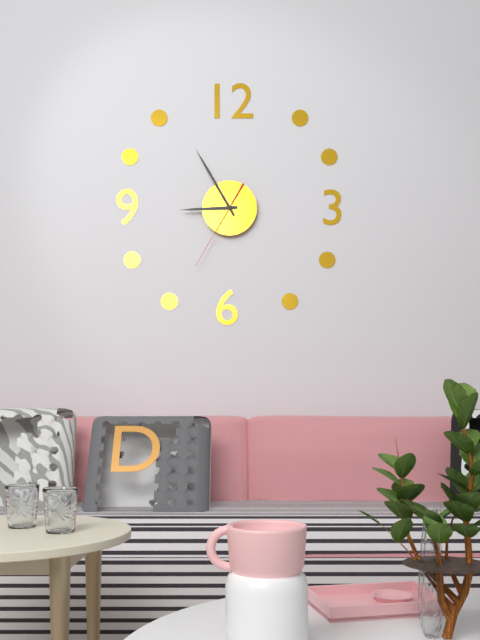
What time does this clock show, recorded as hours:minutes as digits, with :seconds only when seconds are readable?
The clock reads 8:55:35
